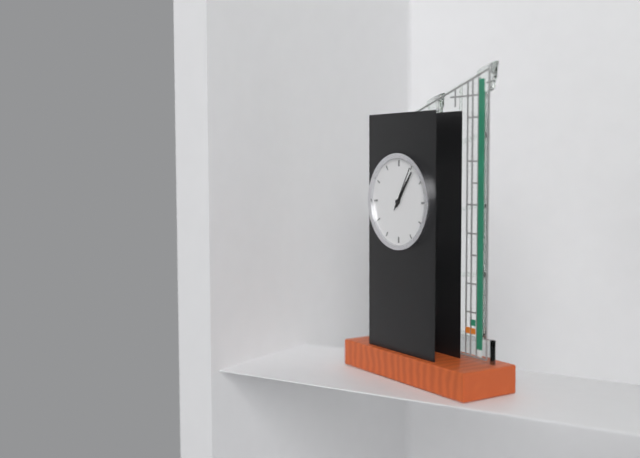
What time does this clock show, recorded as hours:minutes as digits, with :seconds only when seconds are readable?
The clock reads 1:06
